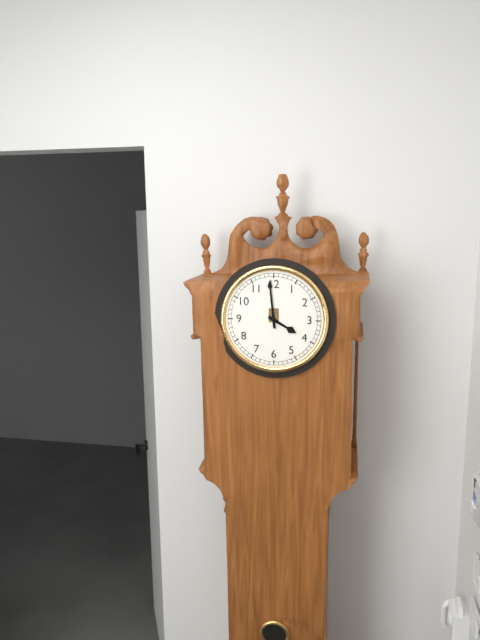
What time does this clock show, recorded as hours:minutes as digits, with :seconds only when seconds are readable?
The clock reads 3:59
